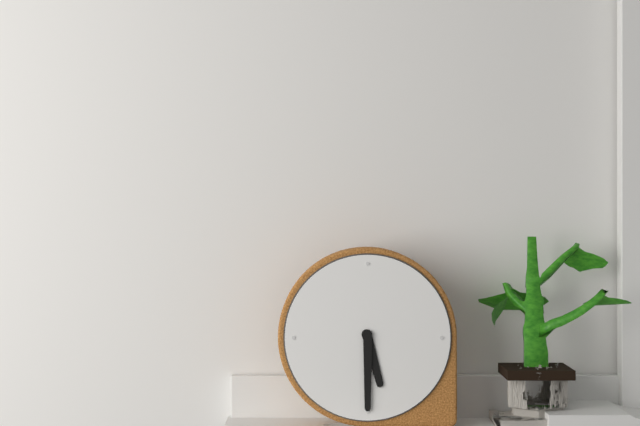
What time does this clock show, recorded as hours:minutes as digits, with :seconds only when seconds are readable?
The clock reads 5:30
